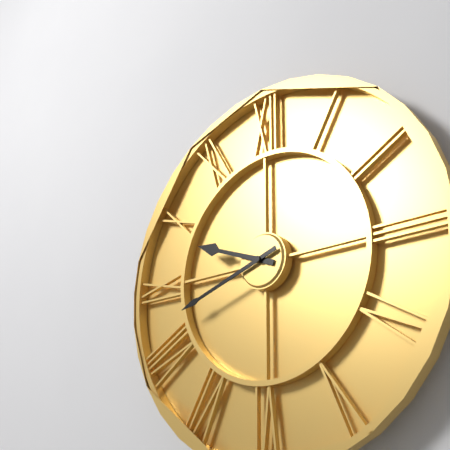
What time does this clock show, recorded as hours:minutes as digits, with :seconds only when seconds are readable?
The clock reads 9:42
